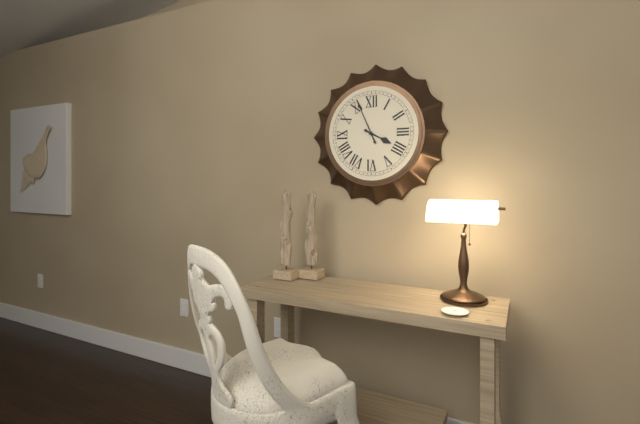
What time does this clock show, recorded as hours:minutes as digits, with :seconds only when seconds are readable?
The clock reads 3:56
